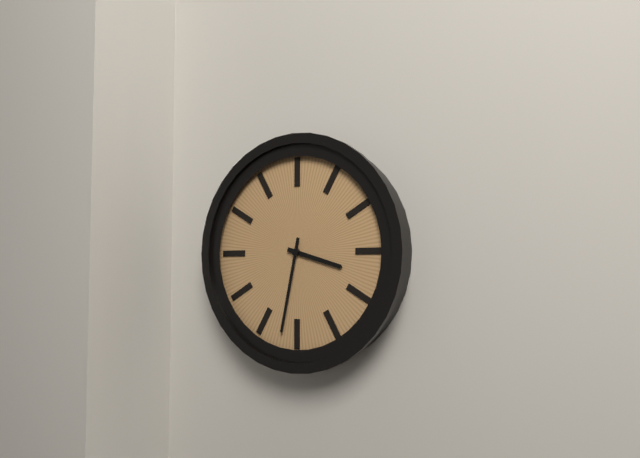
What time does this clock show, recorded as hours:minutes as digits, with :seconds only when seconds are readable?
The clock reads 3:32
